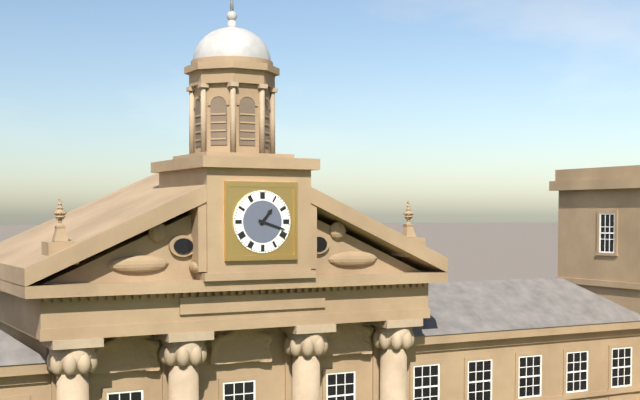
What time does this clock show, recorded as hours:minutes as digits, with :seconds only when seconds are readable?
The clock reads 1:18
